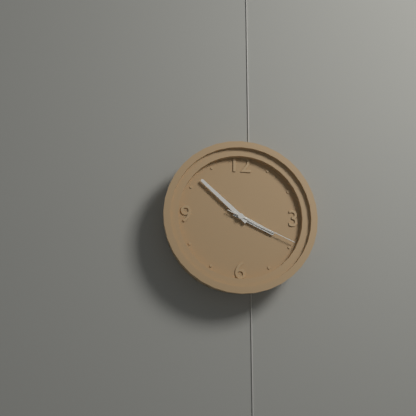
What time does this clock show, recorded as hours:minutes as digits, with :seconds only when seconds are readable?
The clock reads 3:52:19
